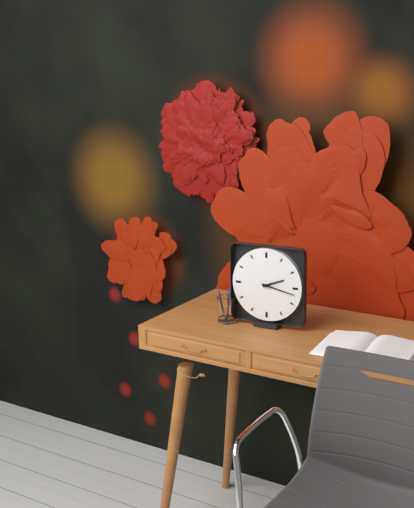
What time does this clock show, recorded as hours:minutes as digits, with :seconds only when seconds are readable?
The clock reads 2:17
